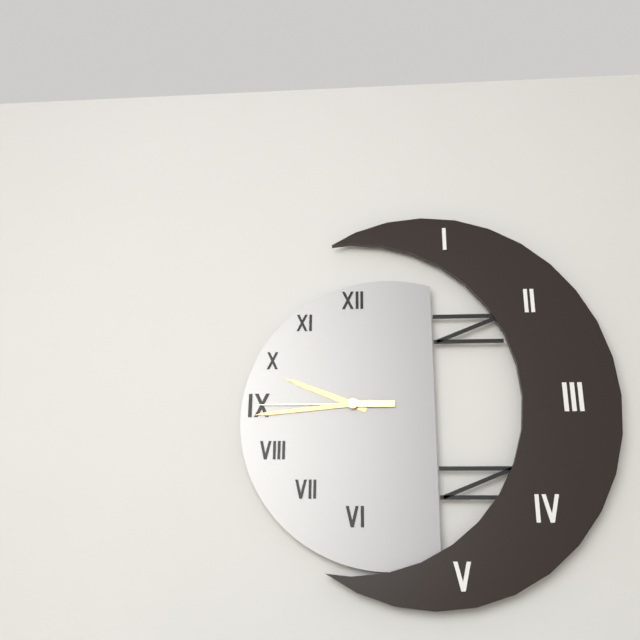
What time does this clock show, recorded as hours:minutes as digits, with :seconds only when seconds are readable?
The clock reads 9:44:45
